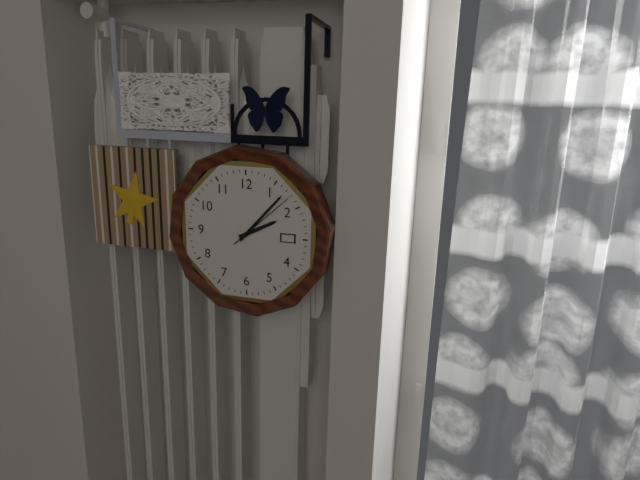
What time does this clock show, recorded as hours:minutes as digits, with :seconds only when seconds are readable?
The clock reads 2:07:08
